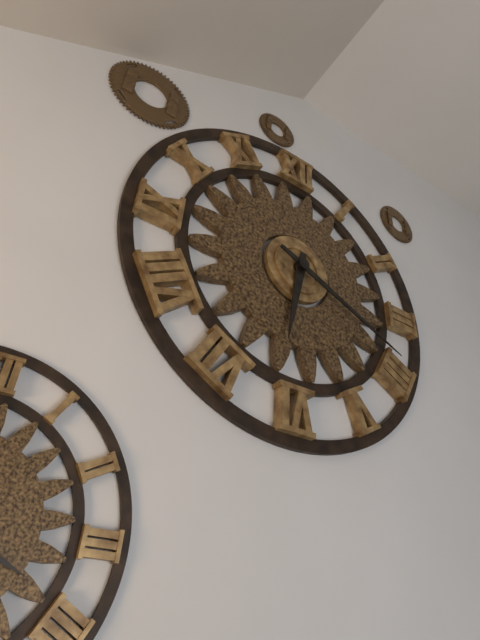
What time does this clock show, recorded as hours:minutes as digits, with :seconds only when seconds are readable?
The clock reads 6:19
